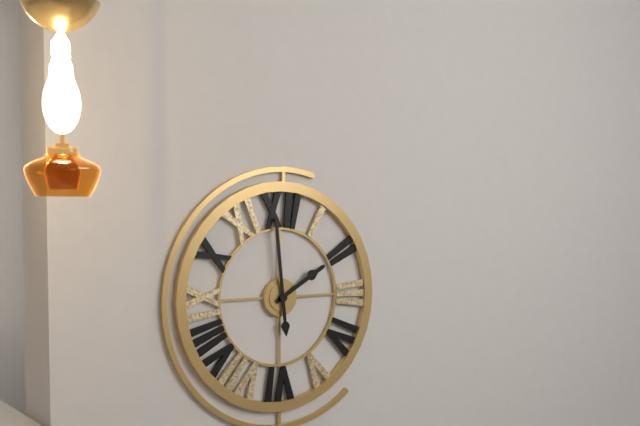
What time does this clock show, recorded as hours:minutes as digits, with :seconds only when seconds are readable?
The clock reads 1:59
